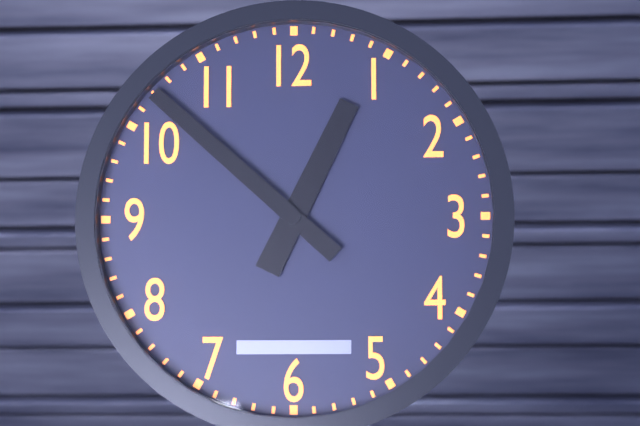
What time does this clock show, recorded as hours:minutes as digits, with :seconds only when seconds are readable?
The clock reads 12:52
